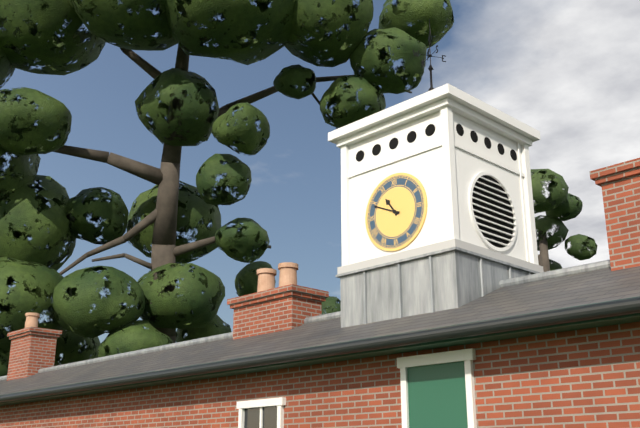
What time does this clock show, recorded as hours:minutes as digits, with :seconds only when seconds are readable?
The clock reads 10:49
